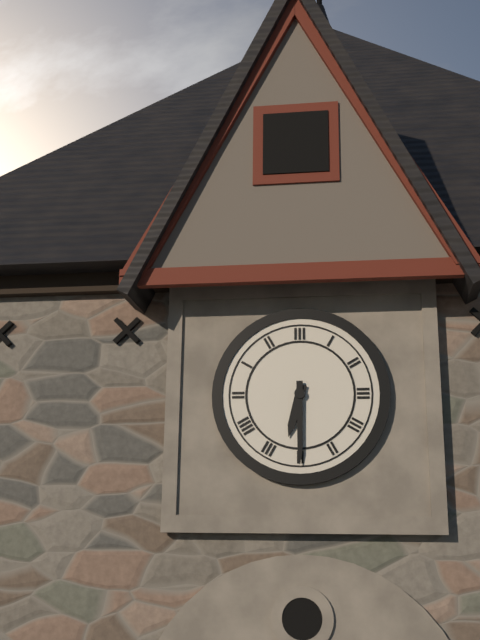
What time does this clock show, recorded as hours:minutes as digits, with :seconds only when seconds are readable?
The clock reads 6:30
